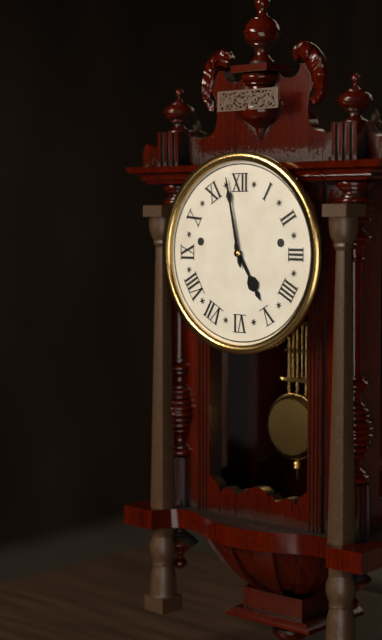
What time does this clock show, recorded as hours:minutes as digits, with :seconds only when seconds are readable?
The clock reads 4:58
